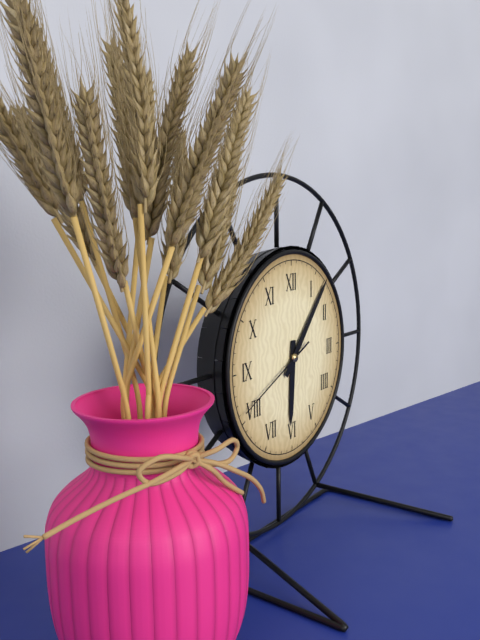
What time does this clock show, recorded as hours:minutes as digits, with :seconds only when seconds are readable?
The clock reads 6:07:41
